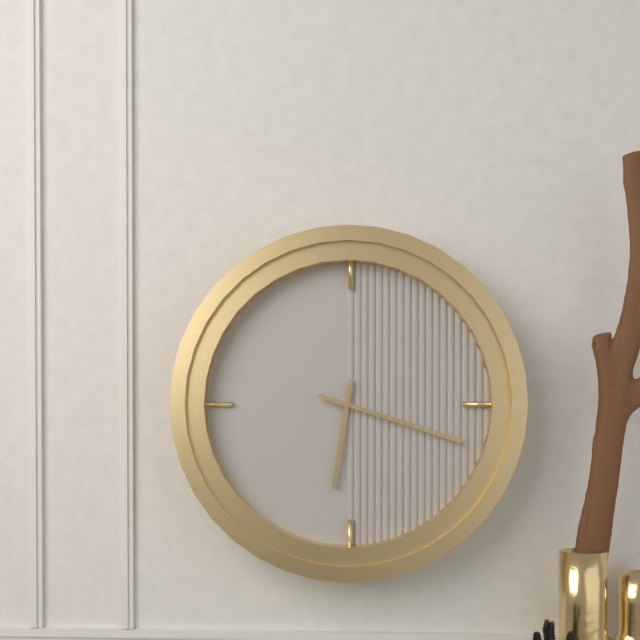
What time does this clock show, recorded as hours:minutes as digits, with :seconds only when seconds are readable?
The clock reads 6:18
